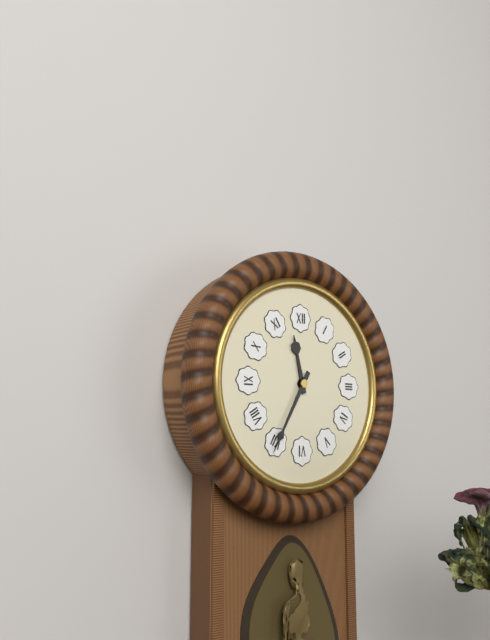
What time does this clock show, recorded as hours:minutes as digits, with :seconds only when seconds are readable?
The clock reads 11:35
